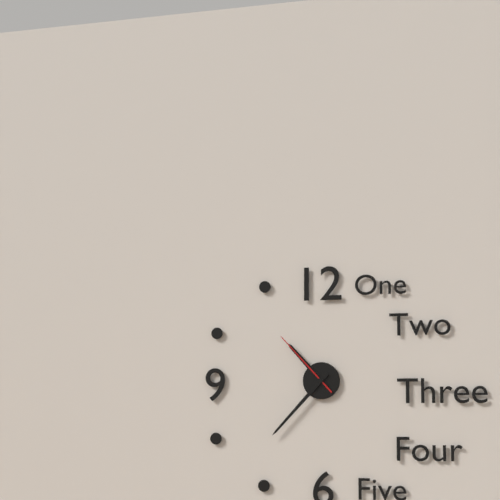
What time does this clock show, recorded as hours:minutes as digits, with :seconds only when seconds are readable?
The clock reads 10:37:53
